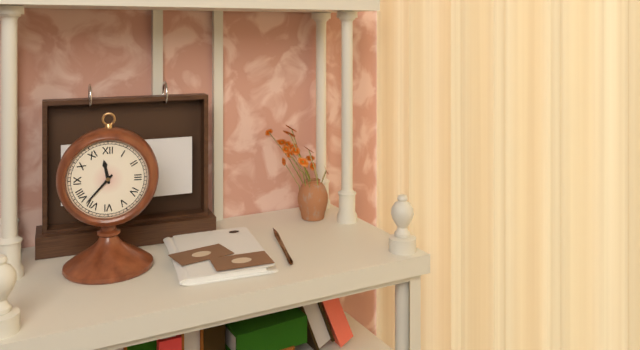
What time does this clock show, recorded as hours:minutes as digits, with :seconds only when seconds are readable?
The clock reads 11:37
